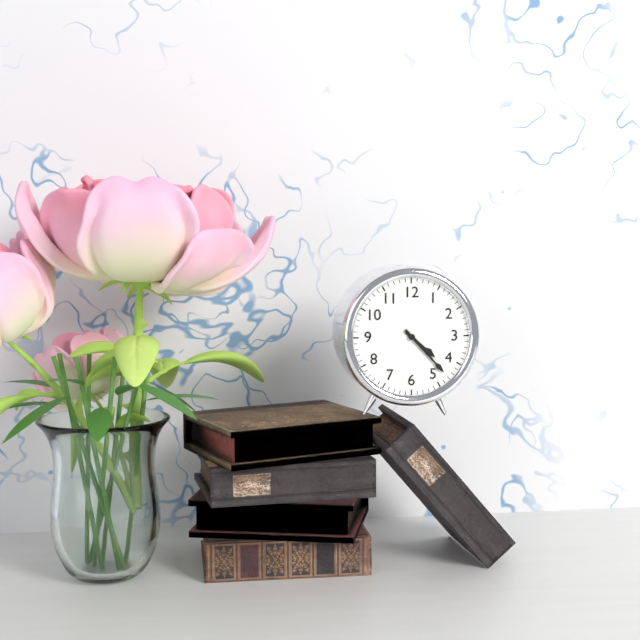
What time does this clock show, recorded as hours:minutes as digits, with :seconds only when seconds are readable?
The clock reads 4:23
